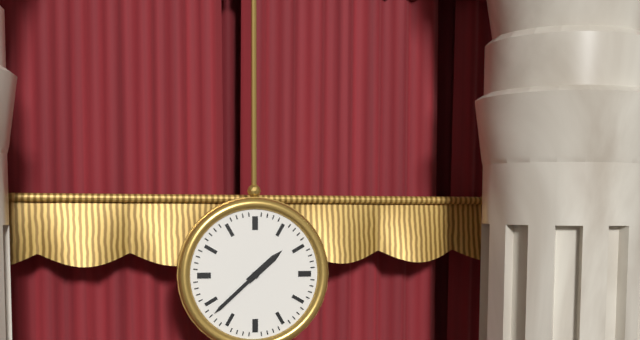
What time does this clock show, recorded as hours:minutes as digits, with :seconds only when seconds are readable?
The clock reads 1:38
